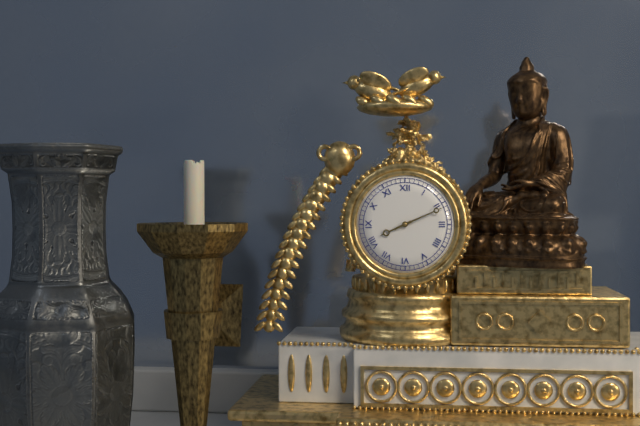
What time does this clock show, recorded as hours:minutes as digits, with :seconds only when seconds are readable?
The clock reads 8:11
